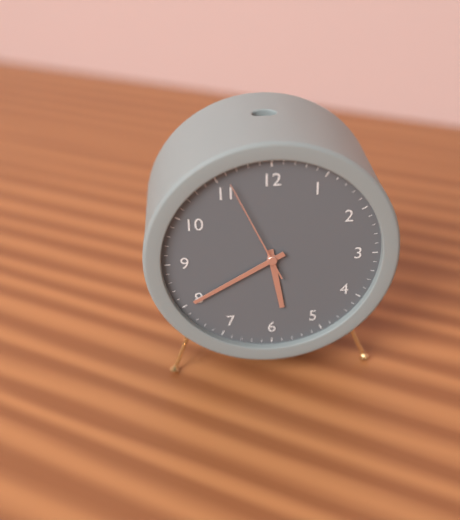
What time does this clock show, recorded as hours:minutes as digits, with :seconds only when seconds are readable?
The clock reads 5:40:56
